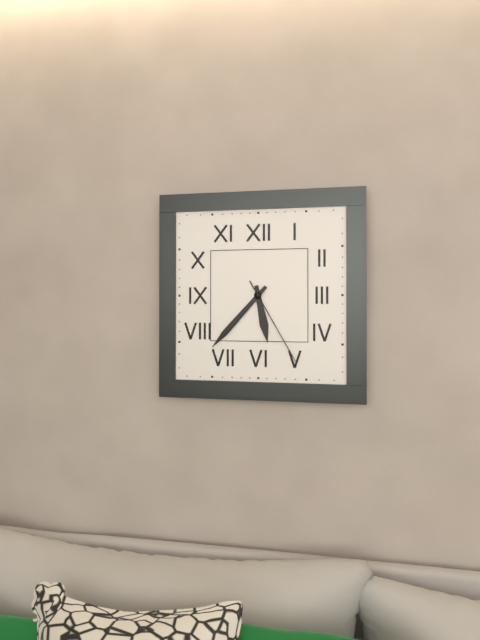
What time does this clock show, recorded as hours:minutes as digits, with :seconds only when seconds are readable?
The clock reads 5:37:25
